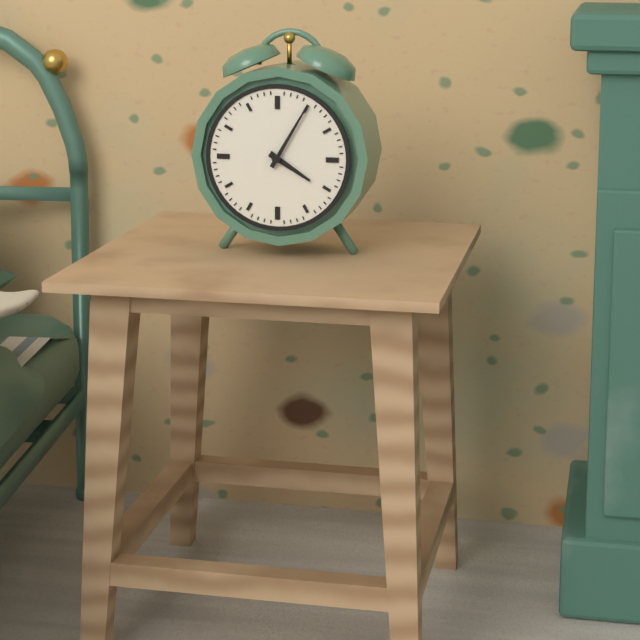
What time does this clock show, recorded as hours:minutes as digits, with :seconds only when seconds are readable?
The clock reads 4:05
